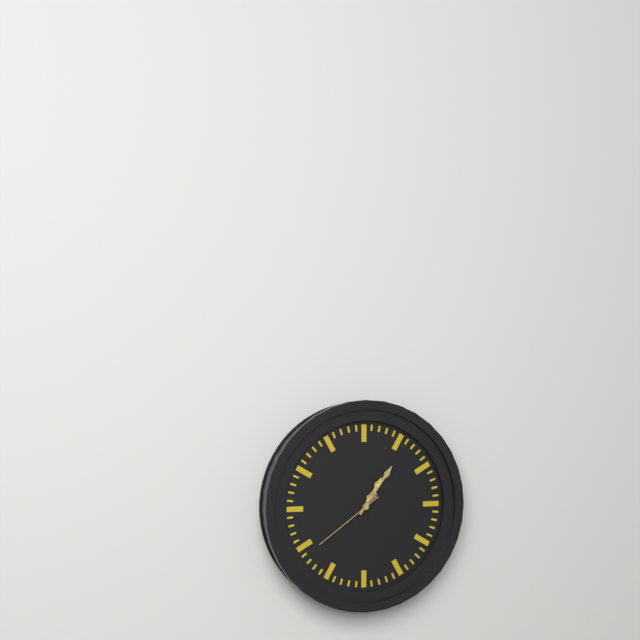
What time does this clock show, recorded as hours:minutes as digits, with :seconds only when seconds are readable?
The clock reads 1:06:39
